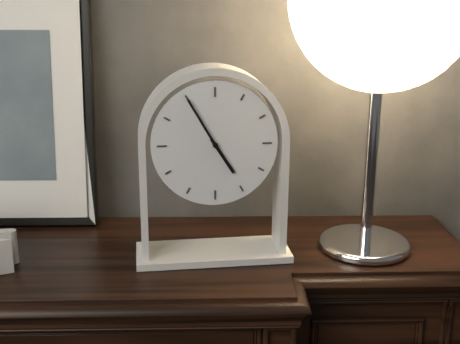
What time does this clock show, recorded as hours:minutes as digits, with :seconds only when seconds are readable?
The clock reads 4:55
